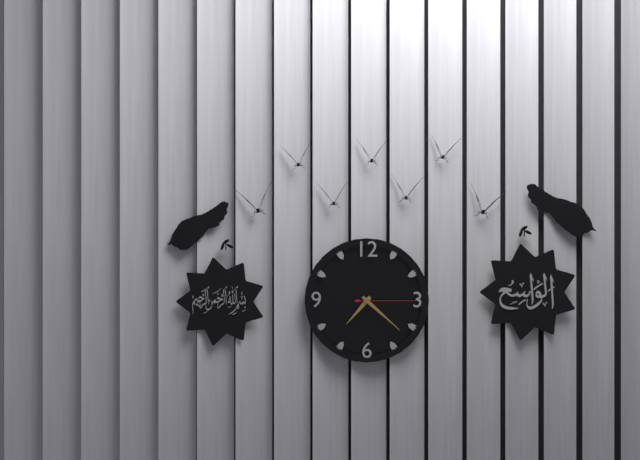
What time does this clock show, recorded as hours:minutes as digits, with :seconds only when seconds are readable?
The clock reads 7:22:15
